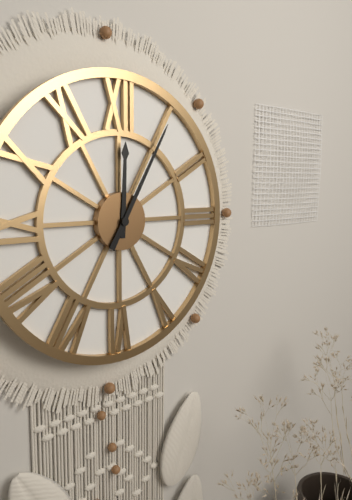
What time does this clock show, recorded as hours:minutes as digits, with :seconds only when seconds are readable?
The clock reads 12:05
